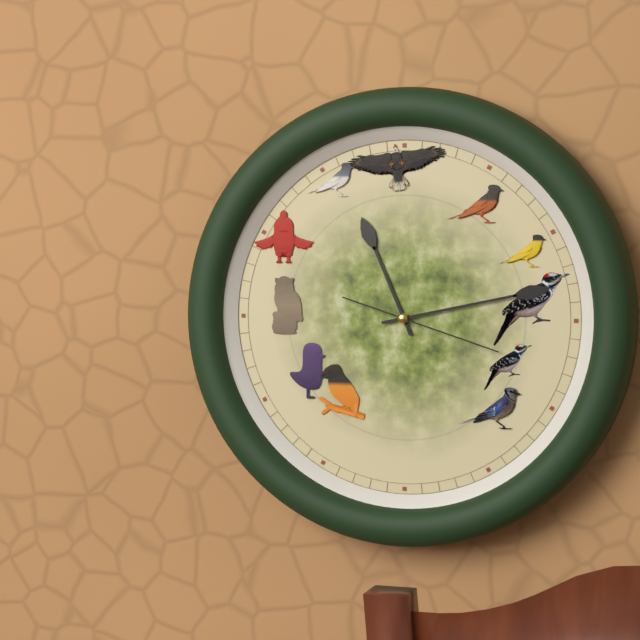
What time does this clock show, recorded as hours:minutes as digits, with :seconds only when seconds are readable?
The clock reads 11:13:18
